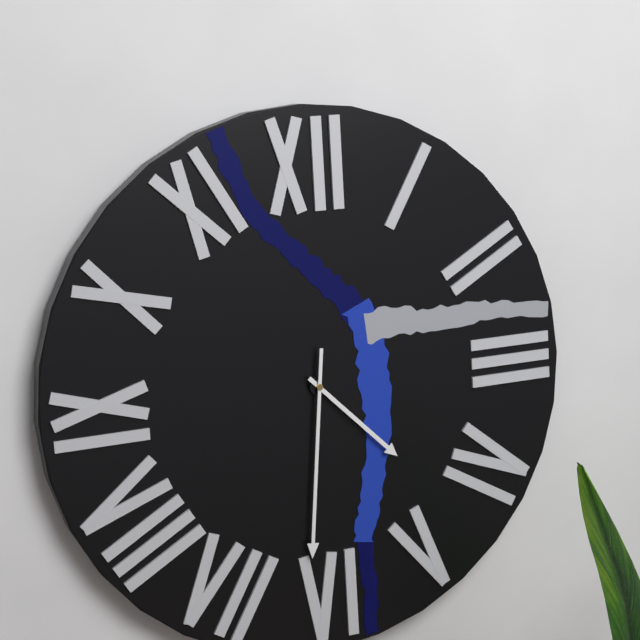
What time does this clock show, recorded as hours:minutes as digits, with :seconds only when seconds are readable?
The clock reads 4:31
